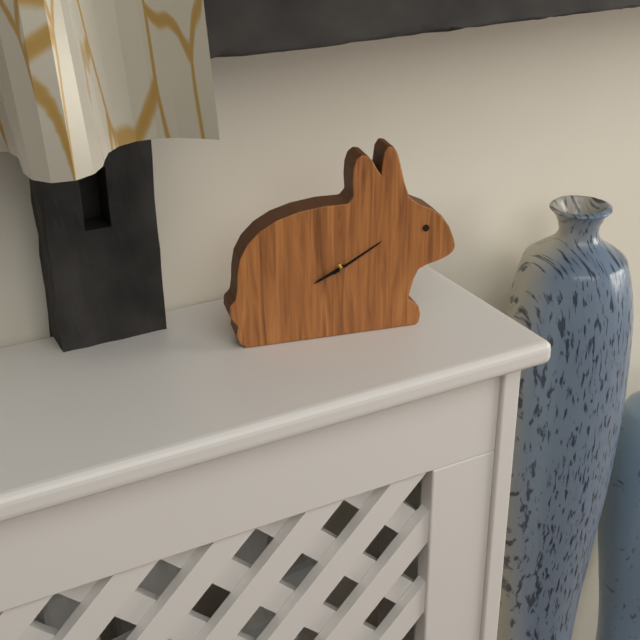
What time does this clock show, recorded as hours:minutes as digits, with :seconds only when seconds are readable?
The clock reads 8:10
